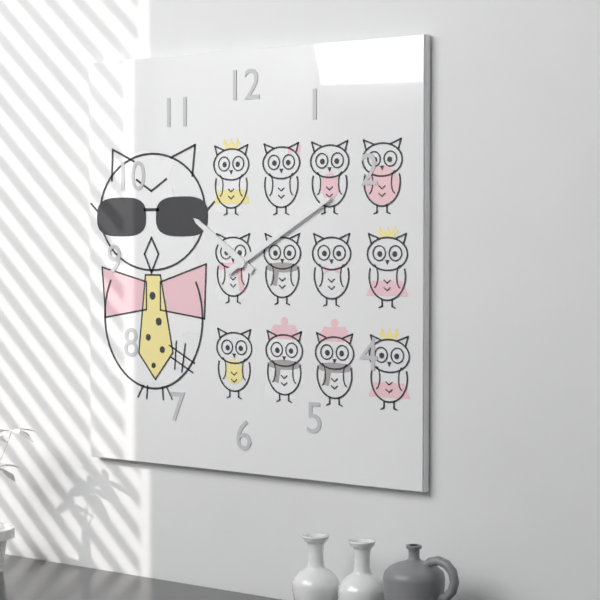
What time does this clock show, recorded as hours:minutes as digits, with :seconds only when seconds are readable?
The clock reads 10:10
